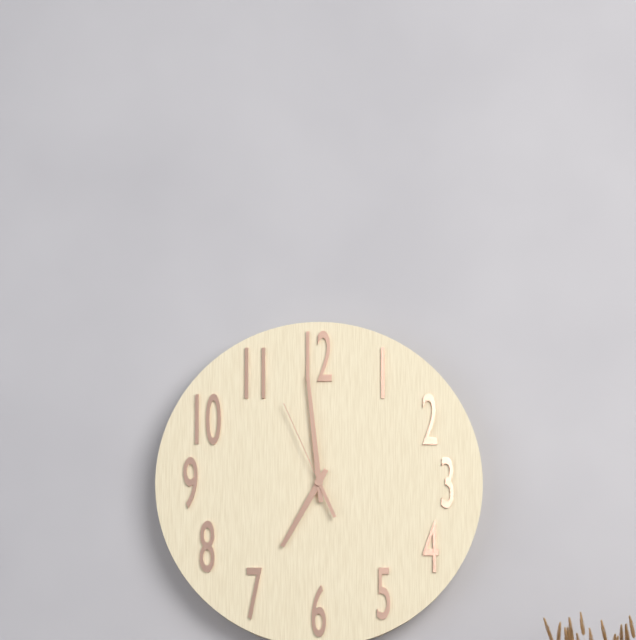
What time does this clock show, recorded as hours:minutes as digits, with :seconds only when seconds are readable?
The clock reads 6:59:56
